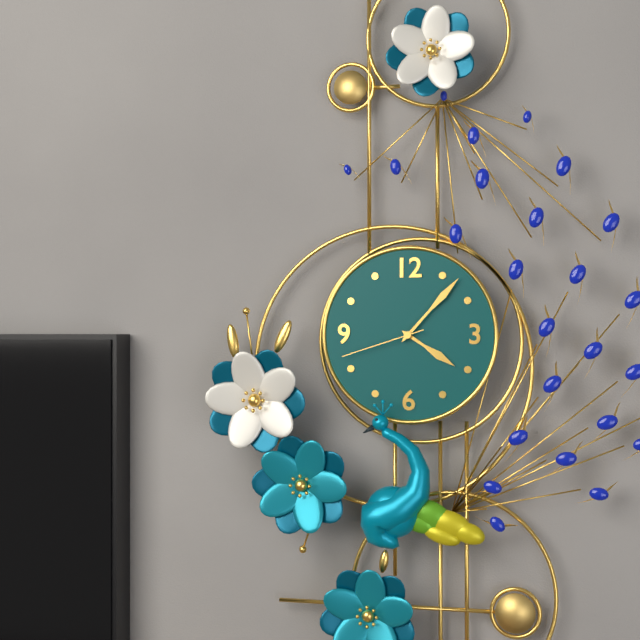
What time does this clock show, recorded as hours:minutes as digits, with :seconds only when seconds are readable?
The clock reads 4:07:42
